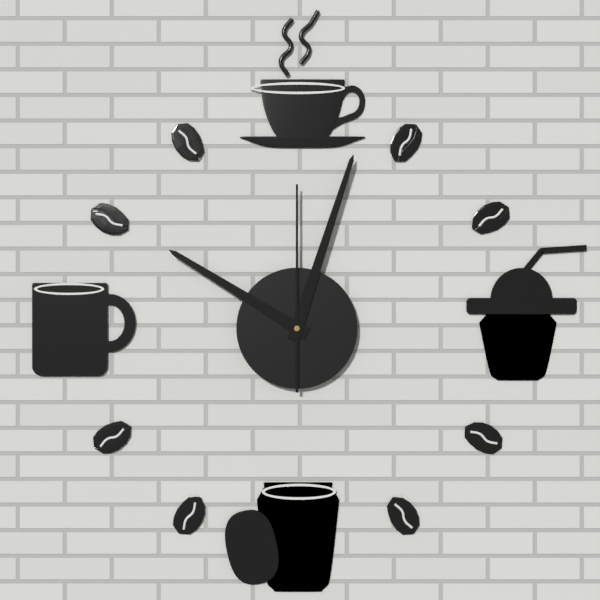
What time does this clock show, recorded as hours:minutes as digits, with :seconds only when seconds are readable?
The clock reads 10:03:00
